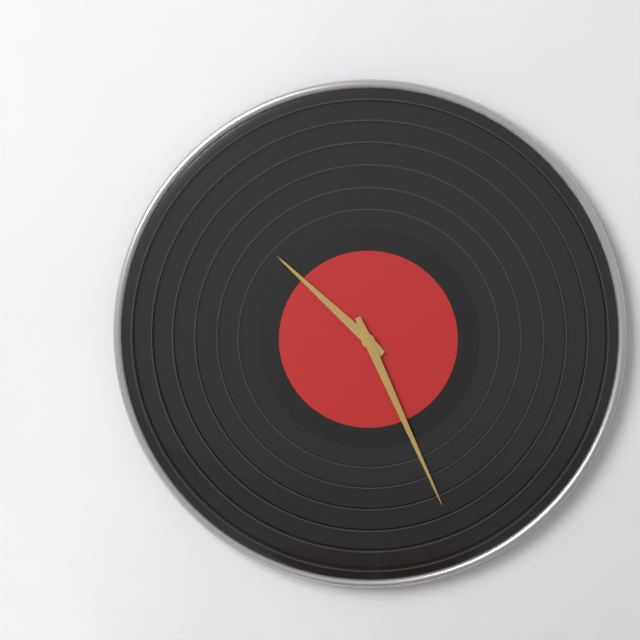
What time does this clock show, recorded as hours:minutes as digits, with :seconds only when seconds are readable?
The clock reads 10:26
